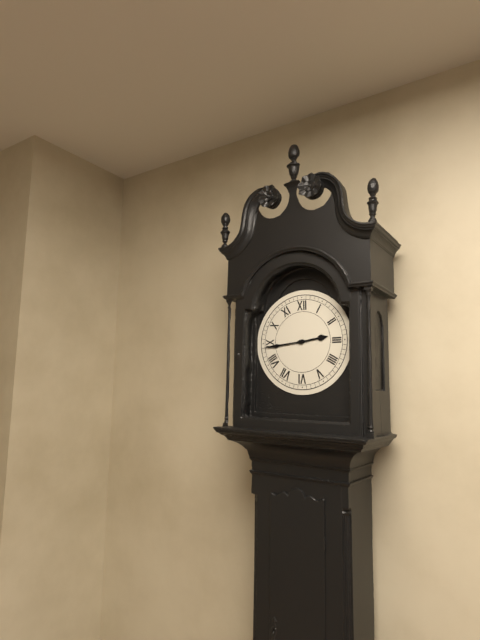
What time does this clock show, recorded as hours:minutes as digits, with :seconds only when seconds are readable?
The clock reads 2:44
